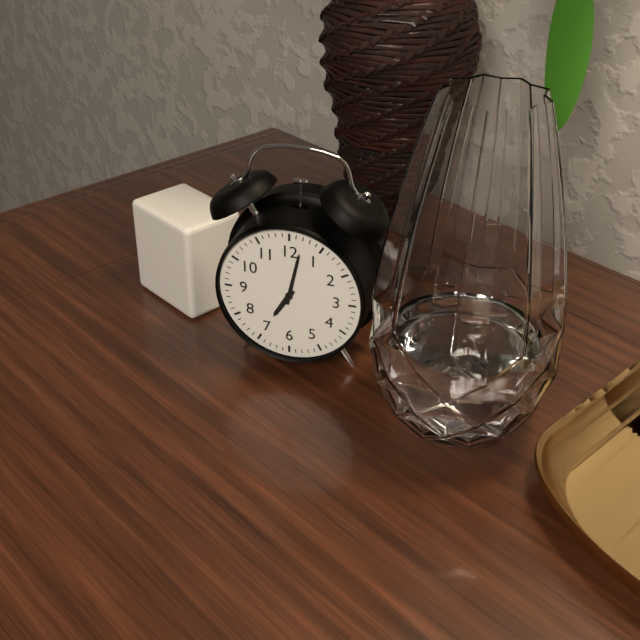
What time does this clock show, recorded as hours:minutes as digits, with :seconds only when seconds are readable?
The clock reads 7:02
